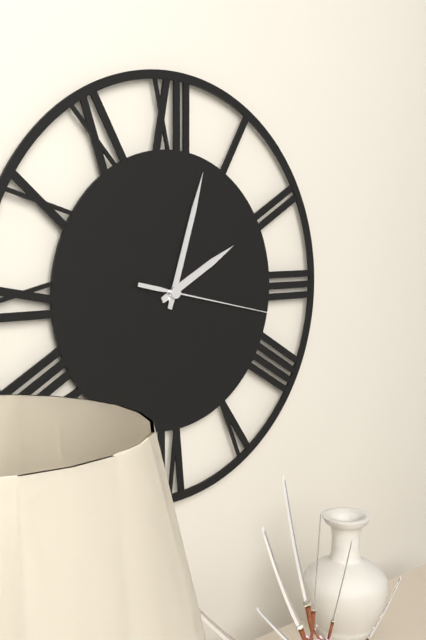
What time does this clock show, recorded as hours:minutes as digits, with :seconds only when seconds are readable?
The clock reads 2:03:17
